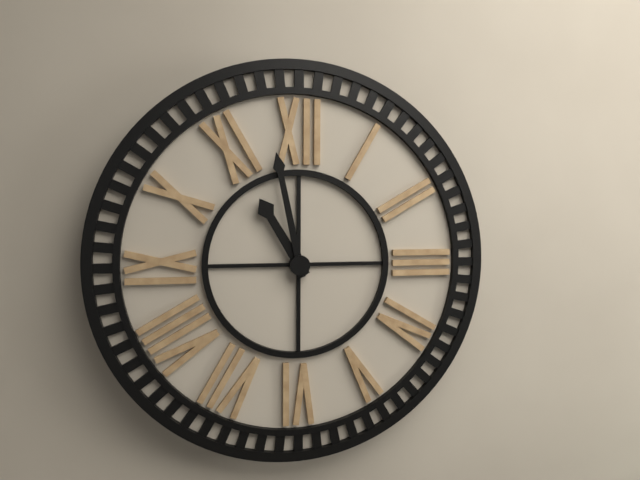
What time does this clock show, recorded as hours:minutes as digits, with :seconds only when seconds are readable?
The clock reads 10:58
